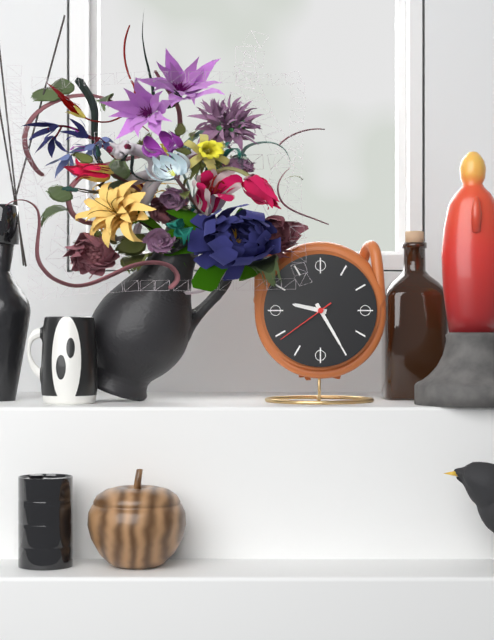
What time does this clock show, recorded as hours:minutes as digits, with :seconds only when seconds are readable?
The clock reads 9:25:39
